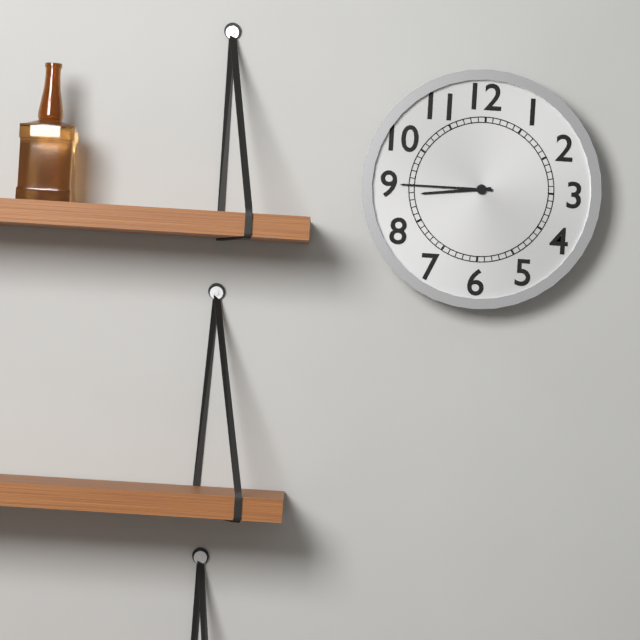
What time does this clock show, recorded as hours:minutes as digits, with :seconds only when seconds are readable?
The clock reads 8:45
